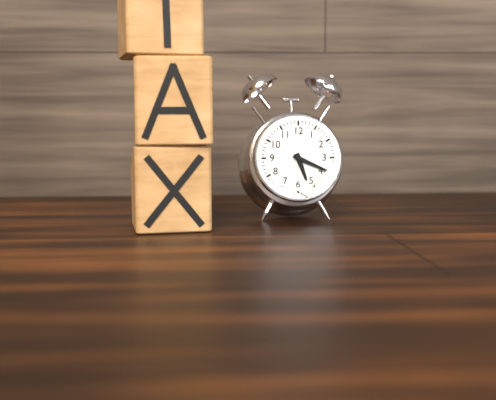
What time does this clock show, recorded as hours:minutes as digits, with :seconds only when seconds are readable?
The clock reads 5:19
